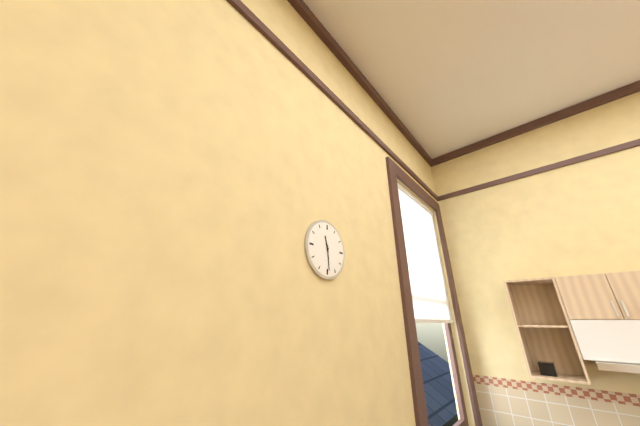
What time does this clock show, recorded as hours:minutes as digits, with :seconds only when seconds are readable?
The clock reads 11:29
